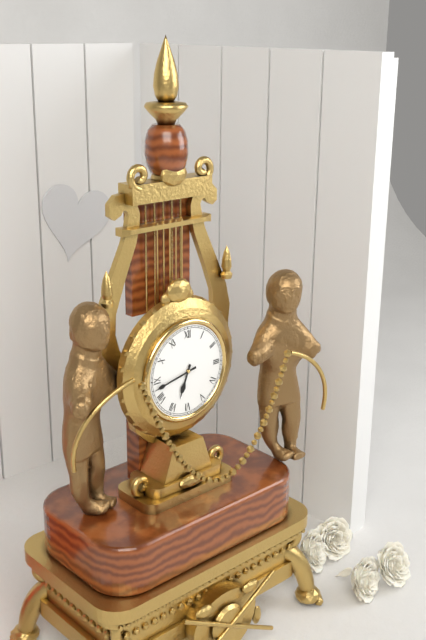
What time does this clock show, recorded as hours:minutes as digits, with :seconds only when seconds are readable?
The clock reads 6:43
